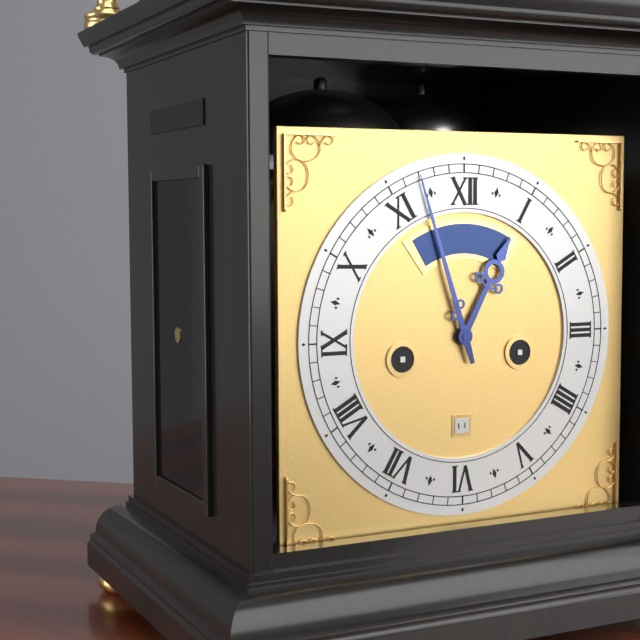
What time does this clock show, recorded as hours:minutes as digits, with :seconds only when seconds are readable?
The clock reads 12:57
